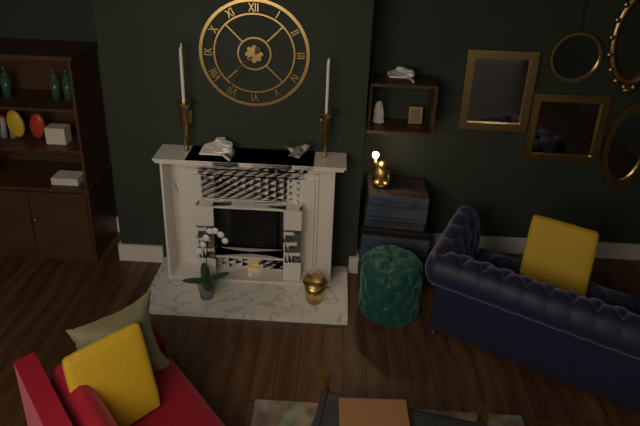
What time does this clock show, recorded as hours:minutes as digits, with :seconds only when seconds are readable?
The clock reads 7:36
